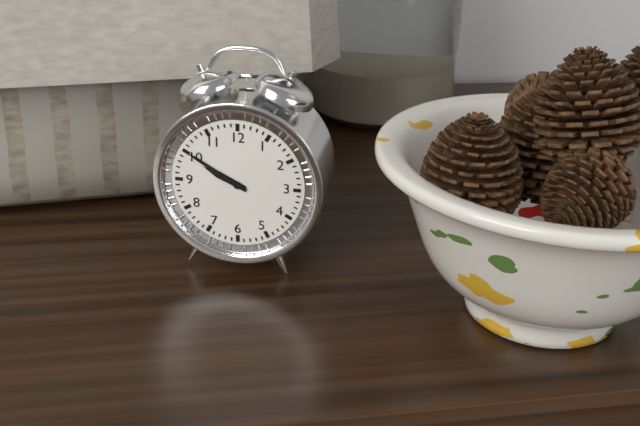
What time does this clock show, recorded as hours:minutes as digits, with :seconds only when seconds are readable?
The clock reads 9:50
